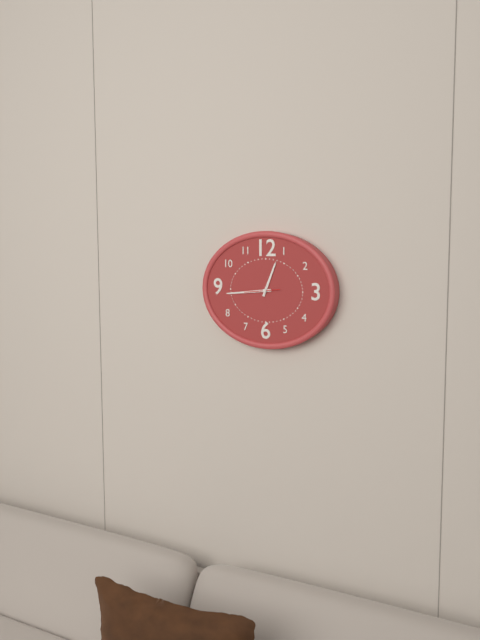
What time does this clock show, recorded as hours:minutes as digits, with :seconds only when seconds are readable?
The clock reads 12:44
